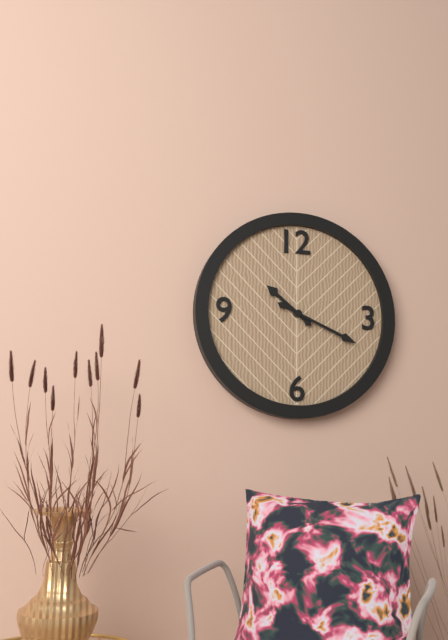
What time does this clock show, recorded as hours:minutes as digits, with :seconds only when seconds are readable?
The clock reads 10:19
